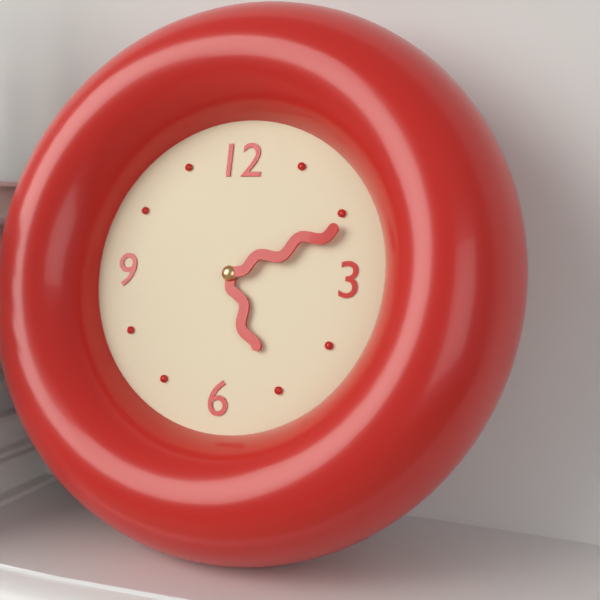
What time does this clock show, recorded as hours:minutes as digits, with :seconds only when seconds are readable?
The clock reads 5:11
